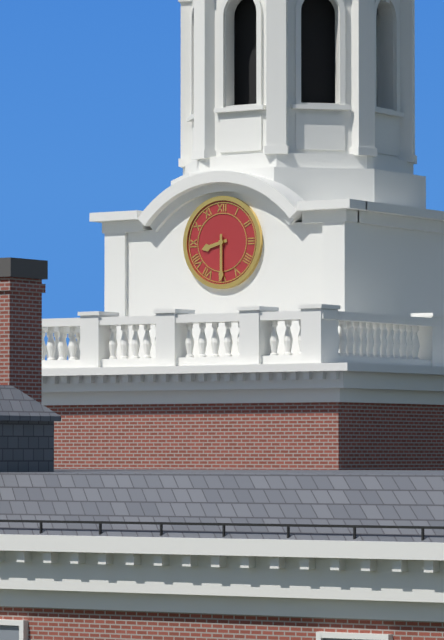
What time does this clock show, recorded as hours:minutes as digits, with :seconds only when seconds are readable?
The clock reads 8:30
